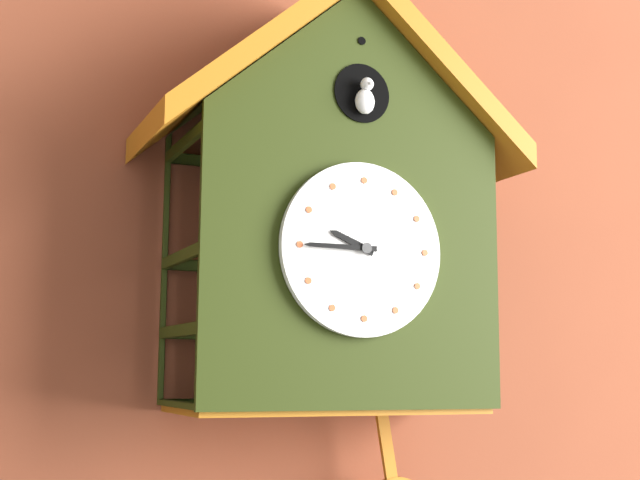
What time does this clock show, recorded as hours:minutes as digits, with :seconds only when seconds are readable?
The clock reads 9:45
